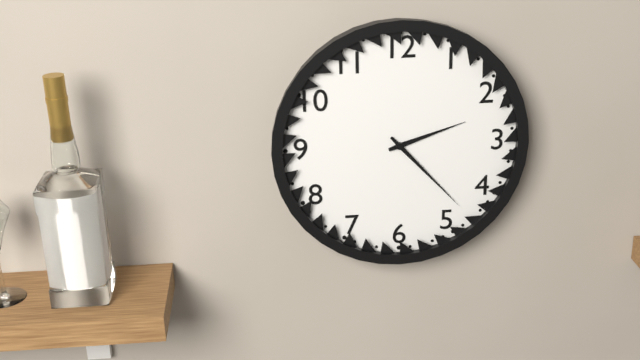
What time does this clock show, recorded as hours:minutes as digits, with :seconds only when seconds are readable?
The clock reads 2:23
